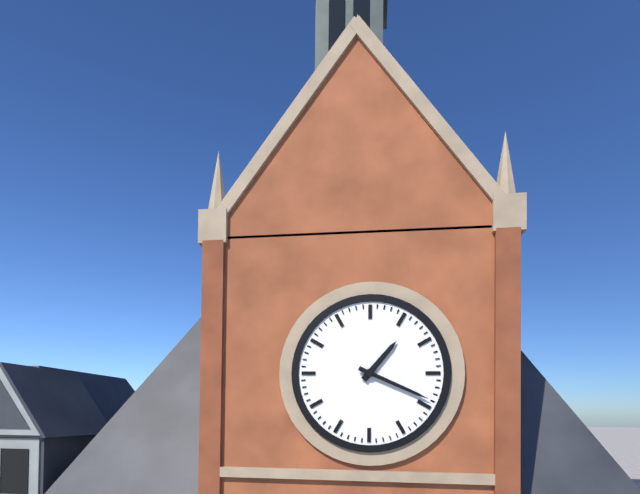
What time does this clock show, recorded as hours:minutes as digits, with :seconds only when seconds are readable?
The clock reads 1:19
